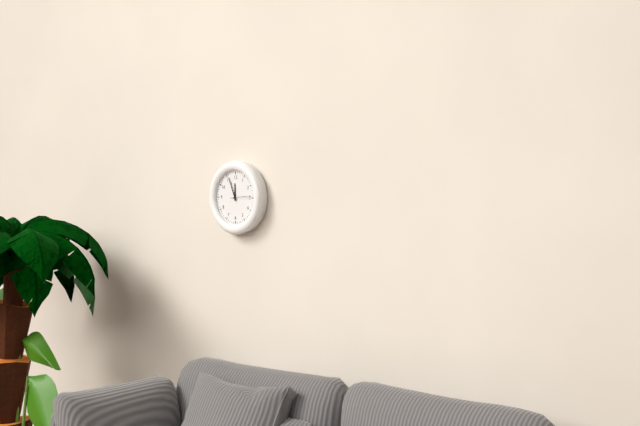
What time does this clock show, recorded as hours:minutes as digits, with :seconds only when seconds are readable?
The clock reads 11:56
